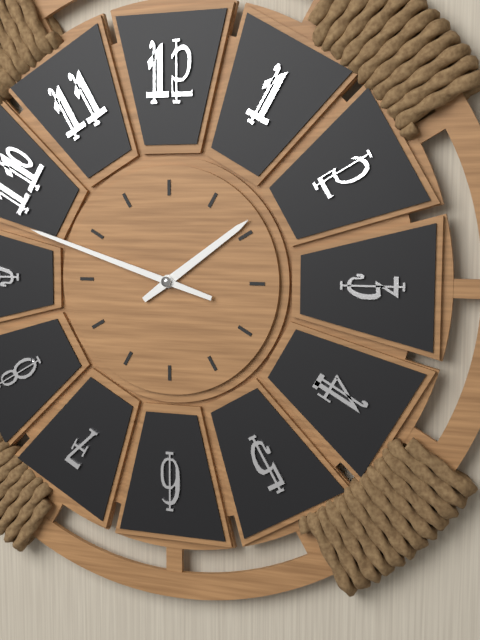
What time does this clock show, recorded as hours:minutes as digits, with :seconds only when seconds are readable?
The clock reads 1:48
